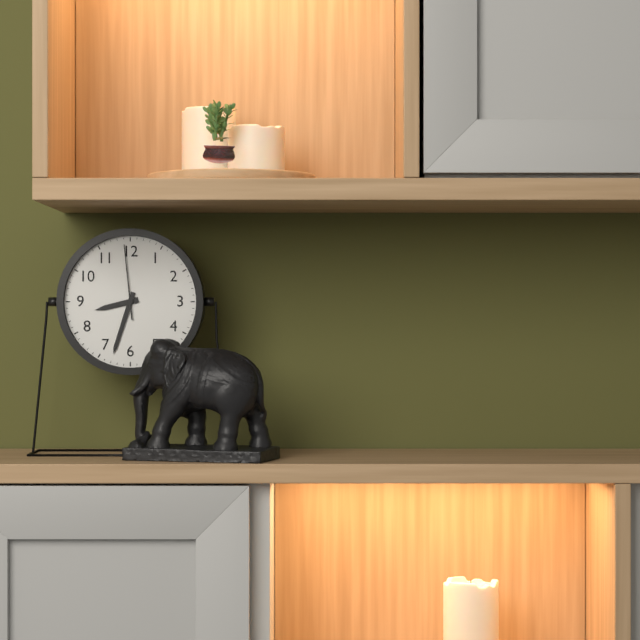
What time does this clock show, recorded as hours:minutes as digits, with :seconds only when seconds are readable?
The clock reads 8:33:59
